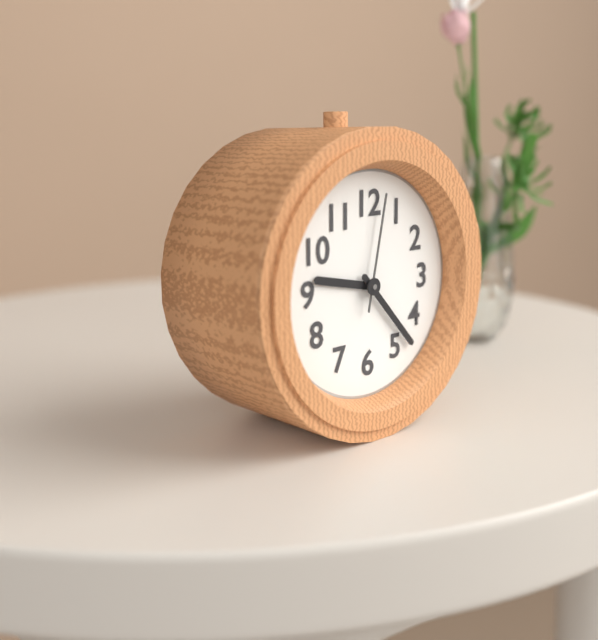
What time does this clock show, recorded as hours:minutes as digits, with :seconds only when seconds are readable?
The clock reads 9:23:02
